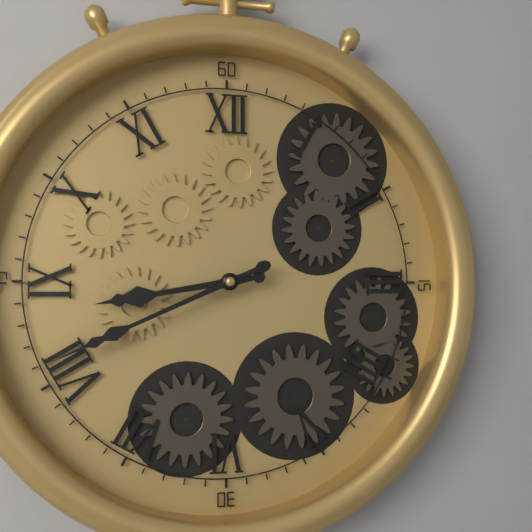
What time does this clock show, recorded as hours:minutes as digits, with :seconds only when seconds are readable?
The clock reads 8:41
